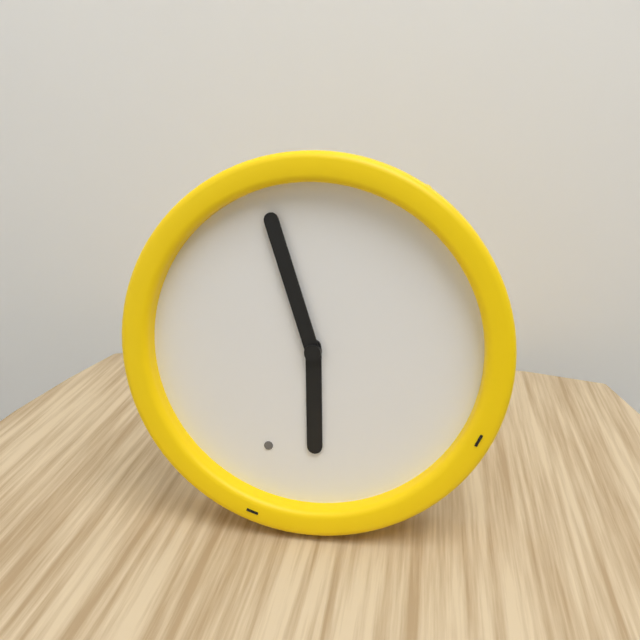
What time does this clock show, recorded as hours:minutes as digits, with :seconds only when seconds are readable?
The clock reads 5:57
